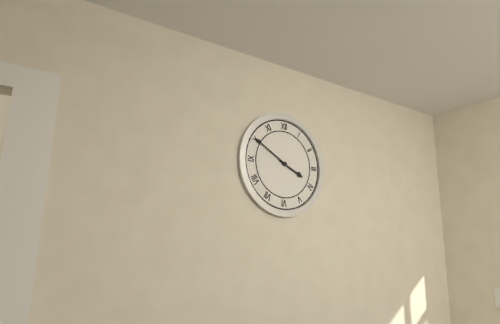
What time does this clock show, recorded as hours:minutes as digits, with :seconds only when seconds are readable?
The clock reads 3:50
